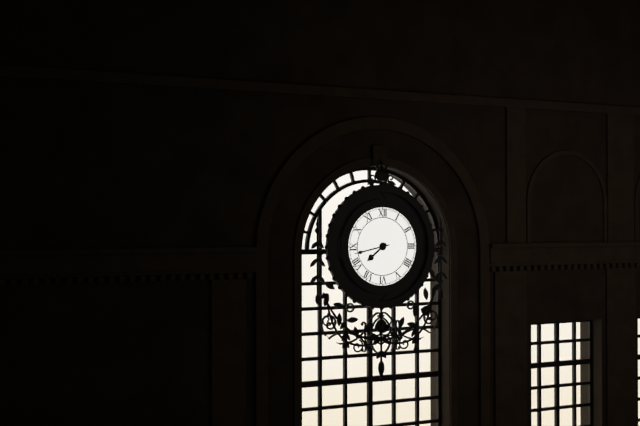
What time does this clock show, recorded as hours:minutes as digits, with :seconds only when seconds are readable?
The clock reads 7:43
